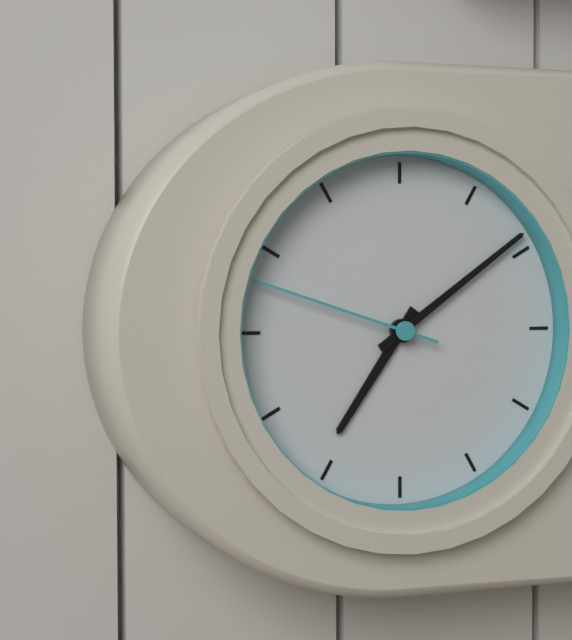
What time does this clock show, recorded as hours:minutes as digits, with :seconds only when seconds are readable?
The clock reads 7:09:48
